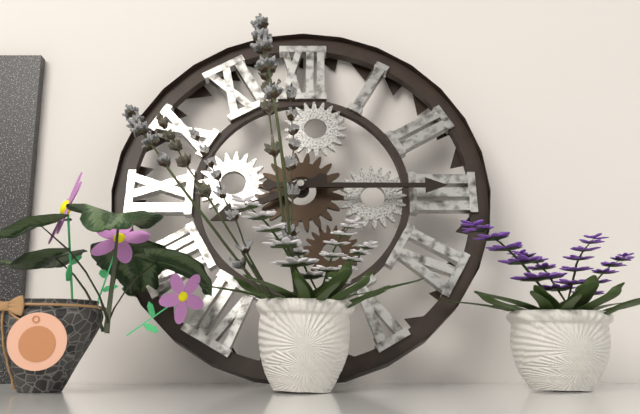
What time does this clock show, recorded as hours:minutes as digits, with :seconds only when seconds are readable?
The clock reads 8:15
